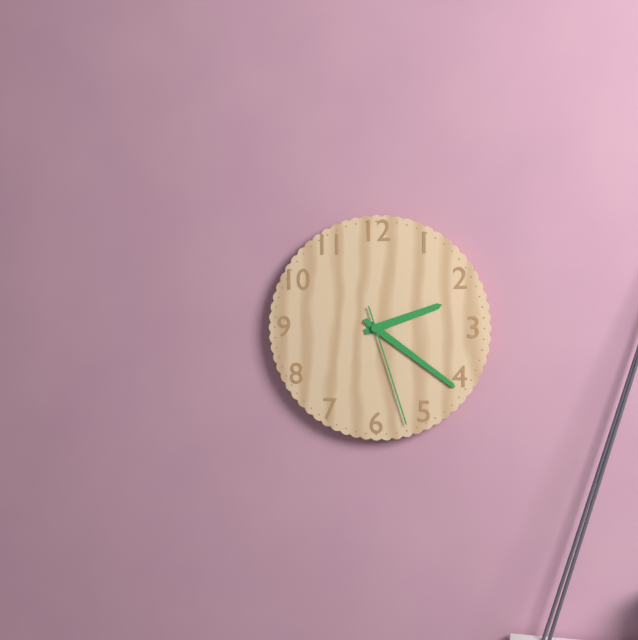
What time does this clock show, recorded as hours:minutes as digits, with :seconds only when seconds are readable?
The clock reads 2:21:27
